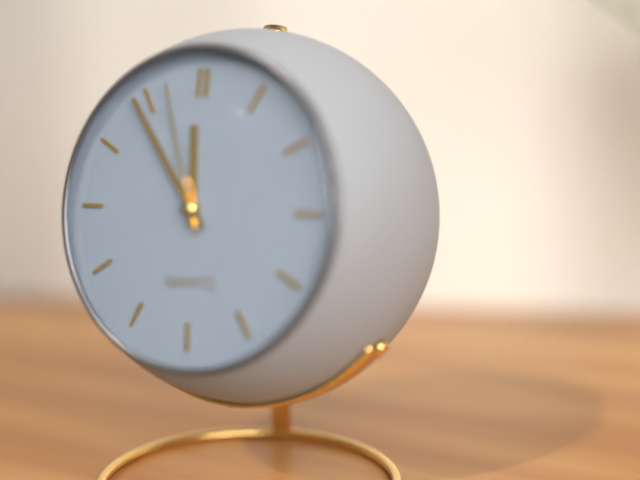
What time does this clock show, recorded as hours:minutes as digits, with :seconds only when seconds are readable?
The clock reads 11:54:57
